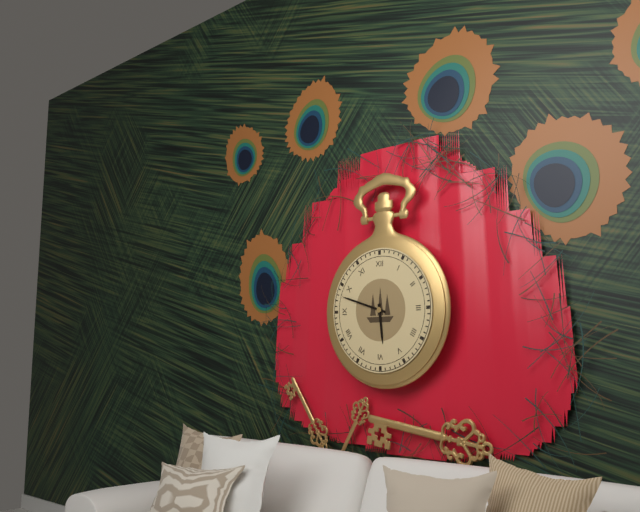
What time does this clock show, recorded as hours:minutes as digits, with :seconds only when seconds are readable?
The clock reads 5:48
